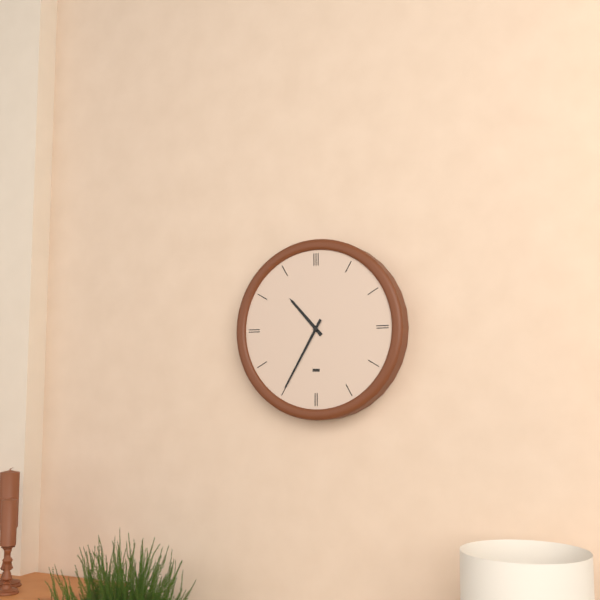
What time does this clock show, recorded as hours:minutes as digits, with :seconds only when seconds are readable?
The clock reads 10:35
